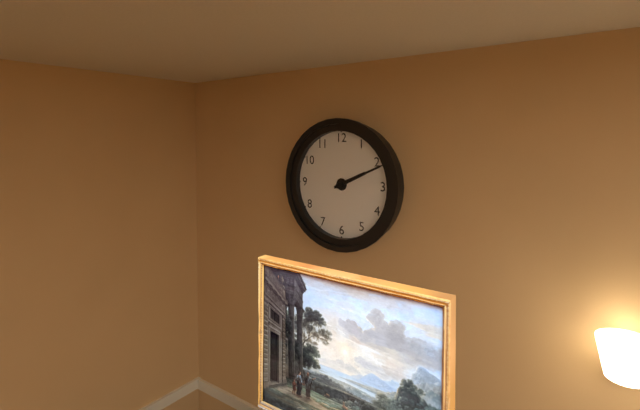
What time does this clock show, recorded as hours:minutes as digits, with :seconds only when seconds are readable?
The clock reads 2:11
